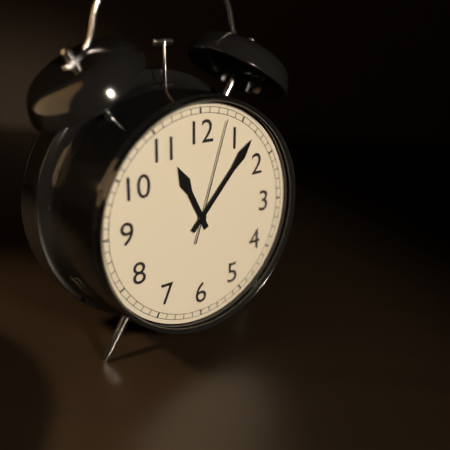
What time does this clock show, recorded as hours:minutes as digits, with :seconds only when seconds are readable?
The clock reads 11:07:03
